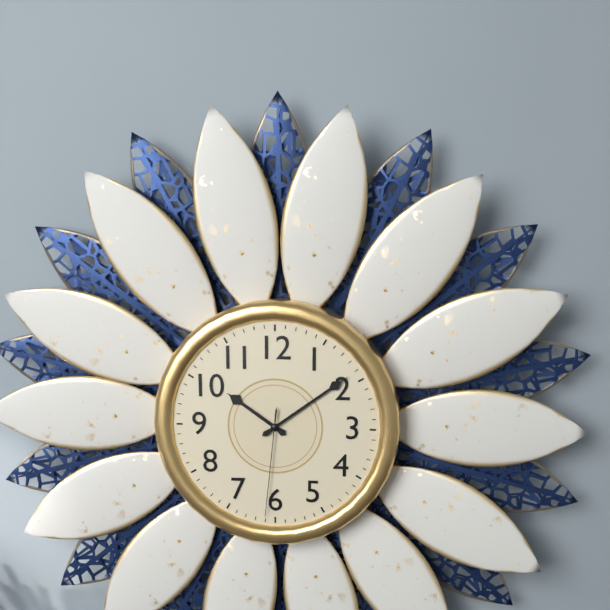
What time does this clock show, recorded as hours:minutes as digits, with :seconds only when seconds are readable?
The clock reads 10:09:31
